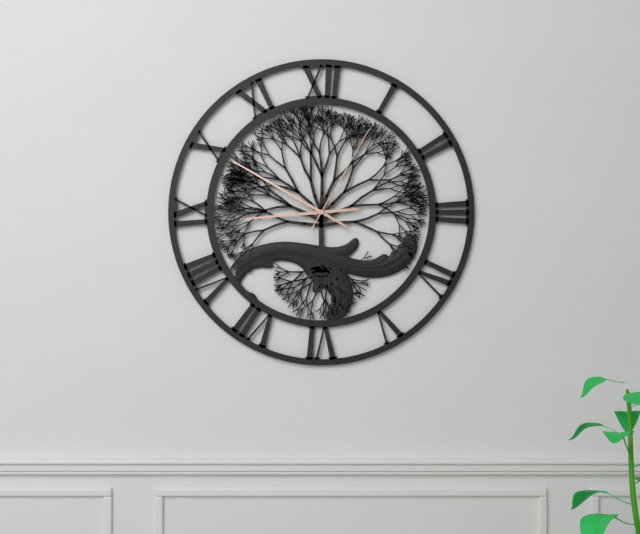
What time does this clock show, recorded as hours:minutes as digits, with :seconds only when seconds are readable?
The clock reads 8:50:05
